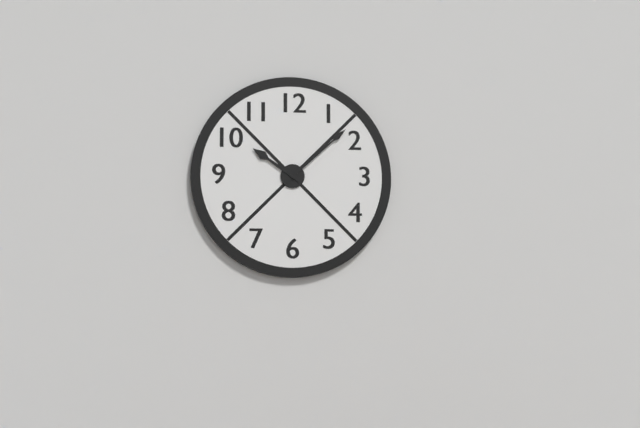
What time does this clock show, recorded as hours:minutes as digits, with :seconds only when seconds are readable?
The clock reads 10:08
